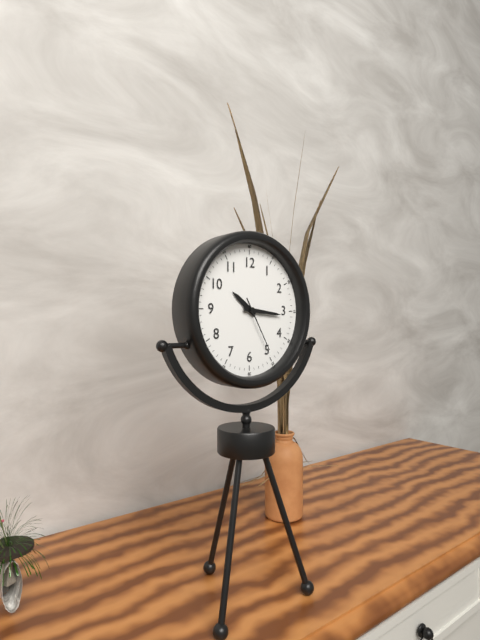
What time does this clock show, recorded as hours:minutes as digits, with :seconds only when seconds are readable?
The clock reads 10:16:25
